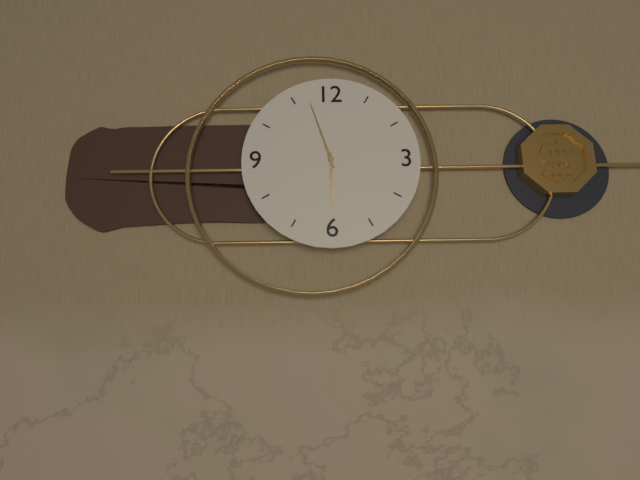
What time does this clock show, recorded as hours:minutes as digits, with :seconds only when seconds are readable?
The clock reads 5:57
